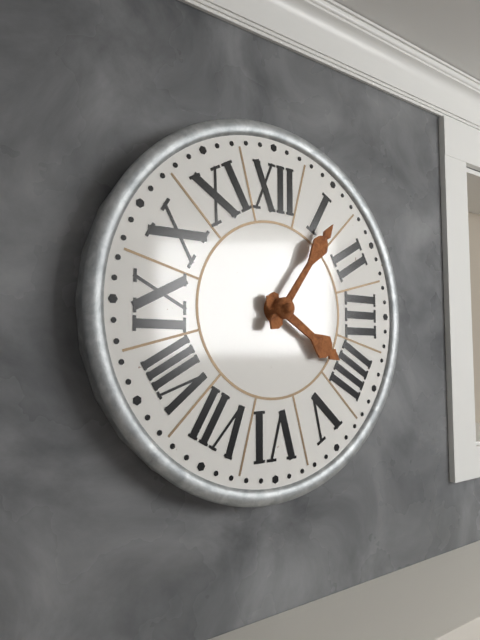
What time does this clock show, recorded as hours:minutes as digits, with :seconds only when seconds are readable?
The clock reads 4:06
